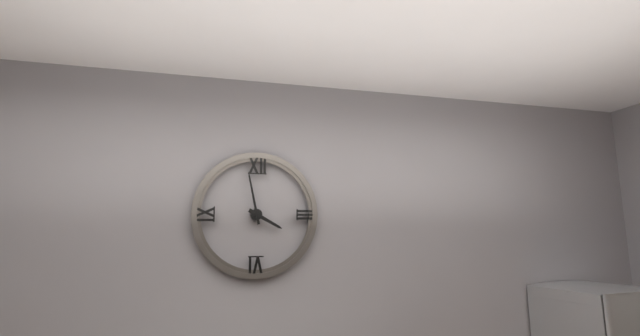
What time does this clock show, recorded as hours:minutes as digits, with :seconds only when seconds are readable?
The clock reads 3:58
